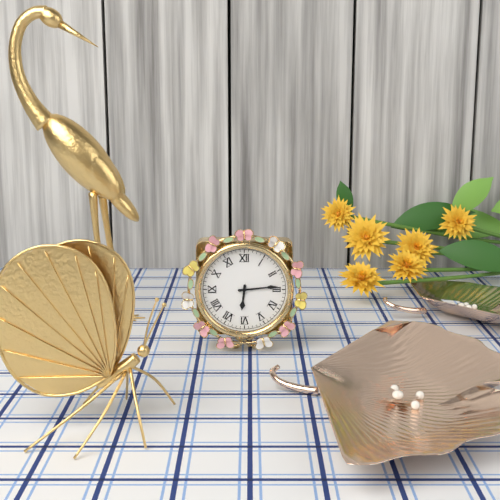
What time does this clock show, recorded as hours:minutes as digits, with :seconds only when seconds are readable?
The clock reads 6:14
